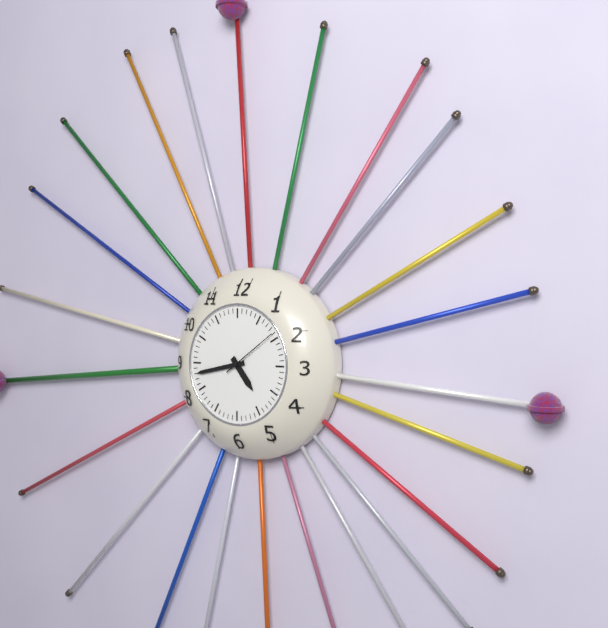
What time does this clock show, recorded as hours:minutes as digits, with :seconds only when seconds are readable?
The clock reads 4:43:09
